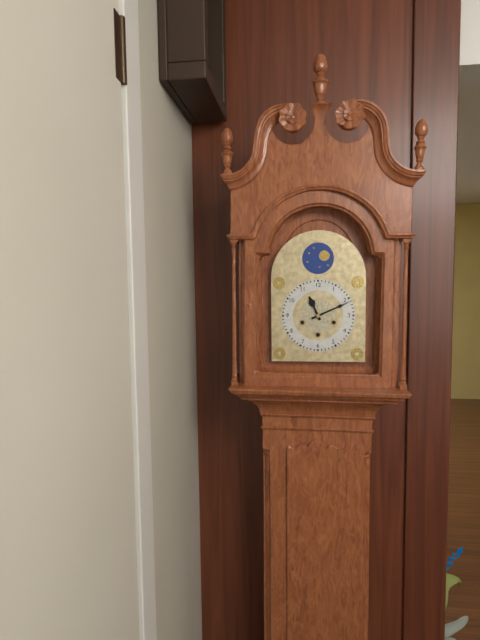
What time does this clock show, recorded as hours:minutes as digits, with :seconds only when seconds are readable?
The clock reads 11:11
